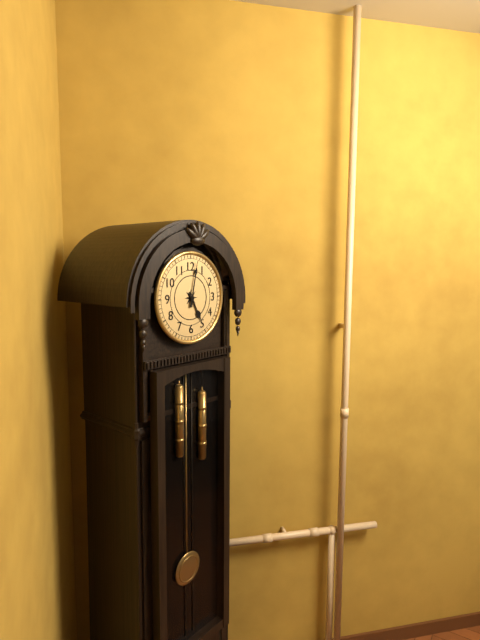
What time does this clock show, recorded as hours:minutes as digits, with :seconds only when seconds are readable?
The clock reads 5:02
